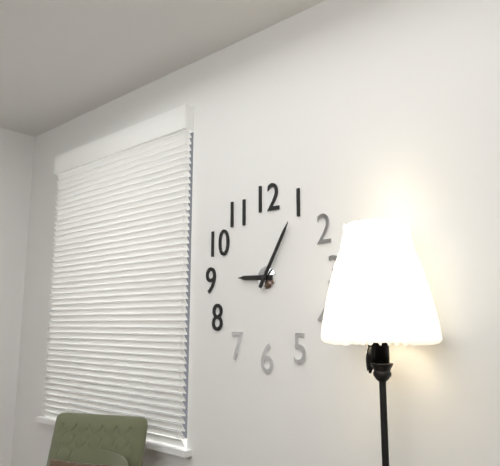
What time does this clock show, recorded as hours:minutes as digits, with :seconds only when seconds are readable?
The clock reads 9:05
